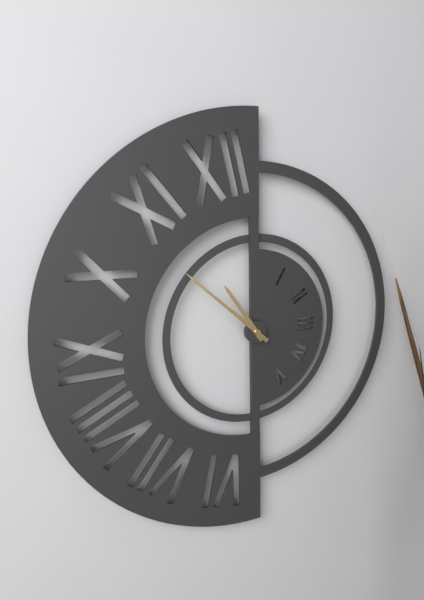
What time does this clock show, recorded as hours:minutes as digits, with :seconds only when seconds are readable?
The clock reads 10:52
